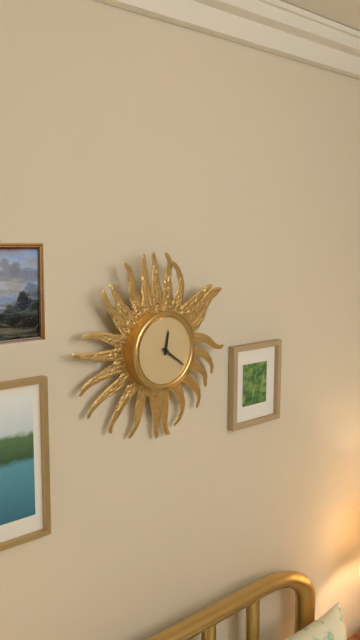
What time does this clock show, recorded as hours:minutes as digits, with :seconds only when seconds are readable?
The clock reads 12:21
